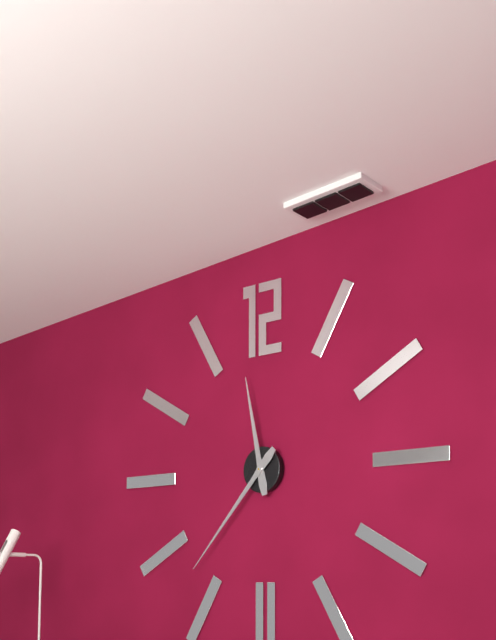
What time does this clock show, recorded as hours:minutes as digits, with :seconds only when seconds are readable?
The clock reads 11:37
